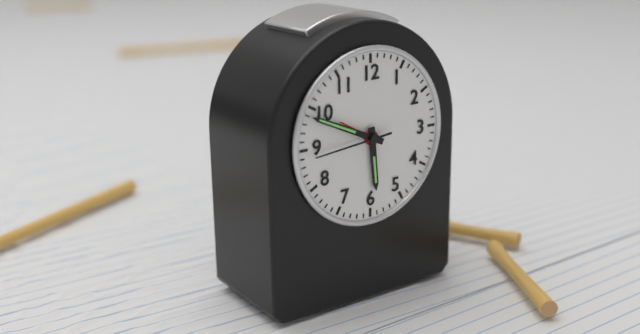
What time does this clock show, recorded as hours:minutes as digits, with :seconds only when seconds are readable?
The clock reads 5:49:44
